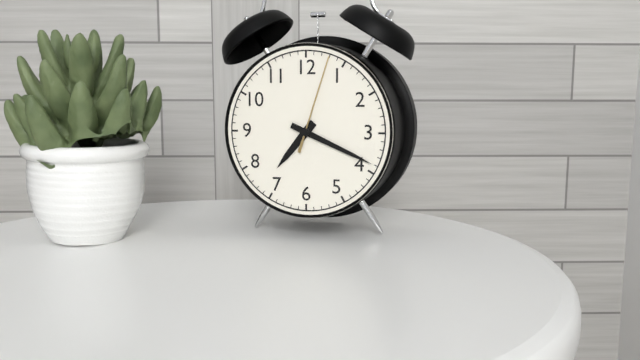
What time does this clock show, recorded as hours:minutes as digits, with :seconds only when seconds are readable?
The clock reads 7:19:03
